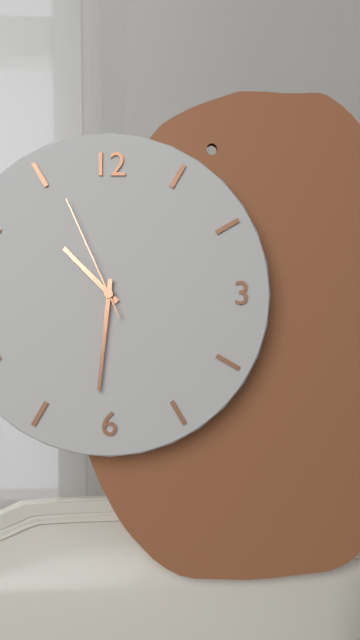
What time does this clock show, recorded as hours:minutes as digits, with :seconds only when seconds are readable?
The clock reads 10:31:56
